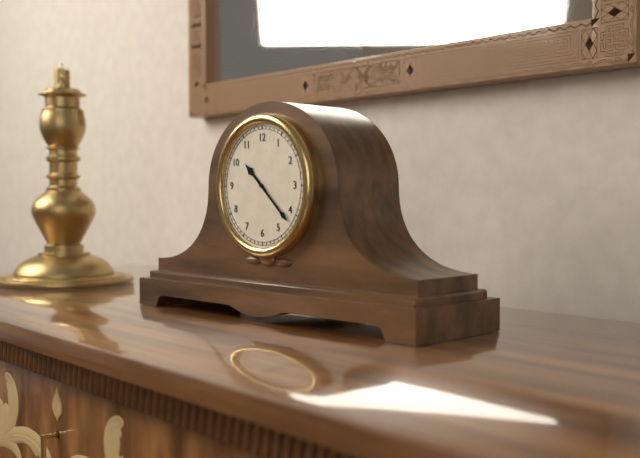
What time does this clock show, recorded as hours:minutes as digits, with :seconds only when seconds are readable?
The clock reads 10:22
